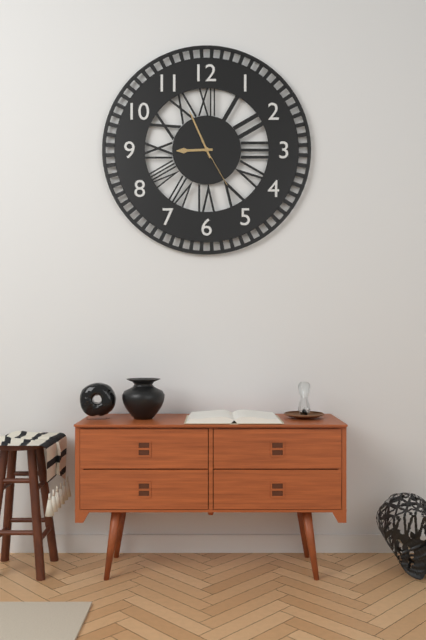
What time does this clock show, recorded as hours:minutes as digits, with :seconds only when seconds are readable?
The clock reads 8:56
